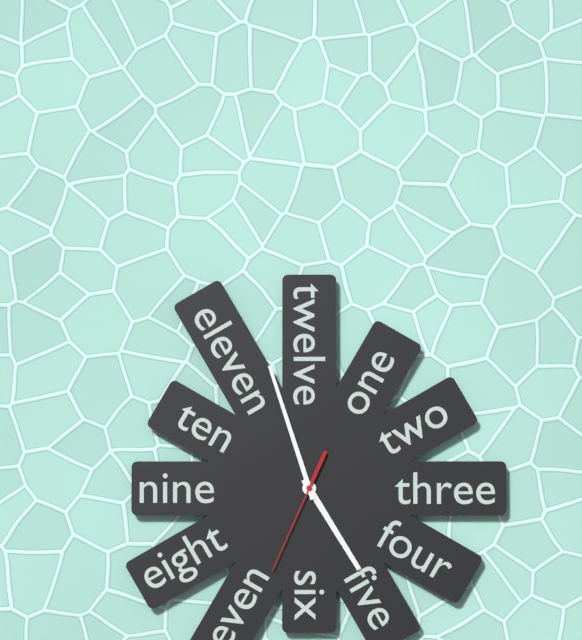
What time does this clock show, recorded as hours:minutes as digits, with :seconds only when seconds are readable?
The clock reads 4:57:34
